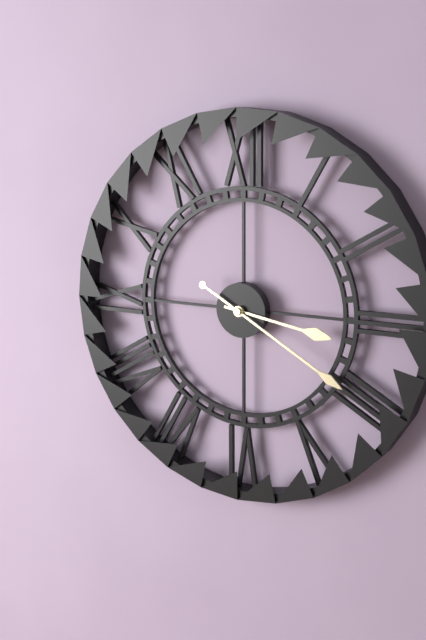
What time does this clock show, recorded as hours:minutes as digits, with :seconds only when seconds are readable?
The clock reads 3:20
